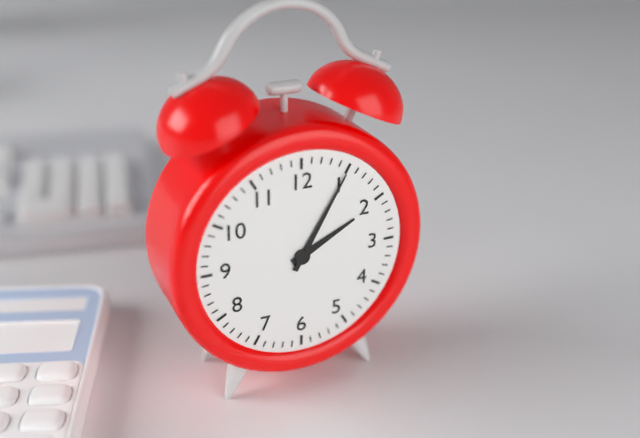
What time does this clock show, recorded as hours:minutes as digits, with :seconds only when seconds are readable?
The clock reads 2:05
